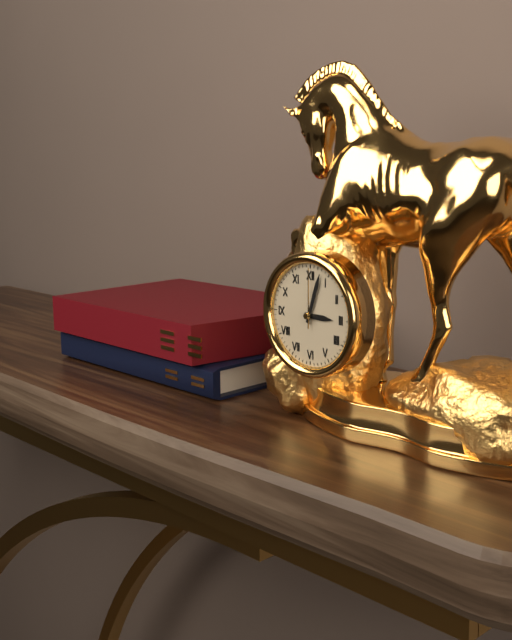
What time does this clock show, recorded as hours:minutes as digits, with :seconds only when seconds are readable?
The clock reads 3:03:00
